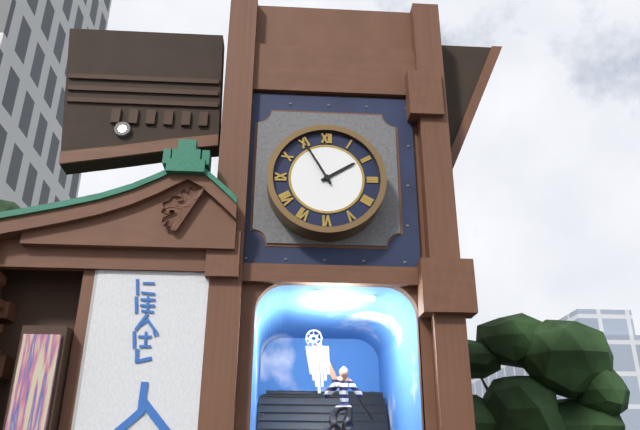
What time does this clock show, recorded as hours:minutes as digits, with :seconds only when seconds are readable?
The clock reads 1:55
